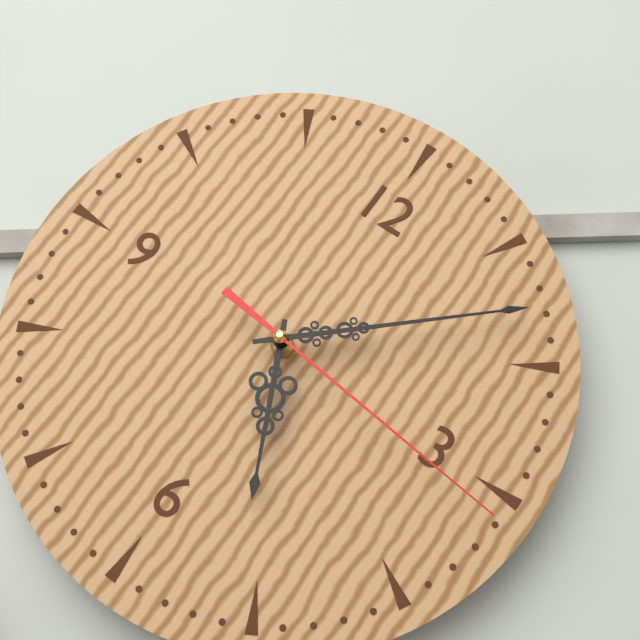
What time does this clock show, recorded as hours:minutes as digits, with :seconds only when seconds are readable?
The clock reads 5:08:16
